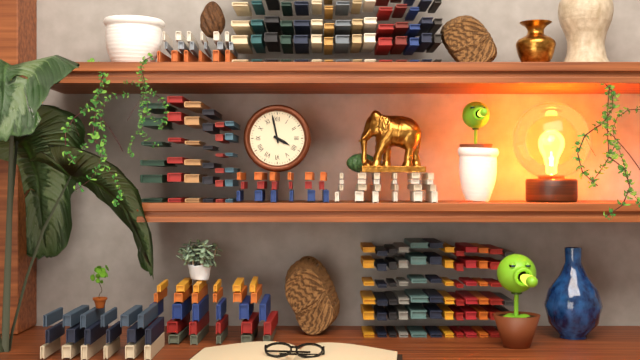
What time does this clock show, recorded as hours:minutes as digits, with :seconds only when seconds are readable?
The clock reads 3:58
